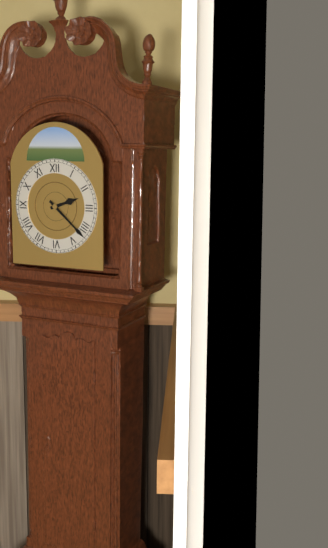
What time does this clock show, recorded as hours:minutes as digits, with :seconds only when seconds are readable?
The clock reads 2:22
